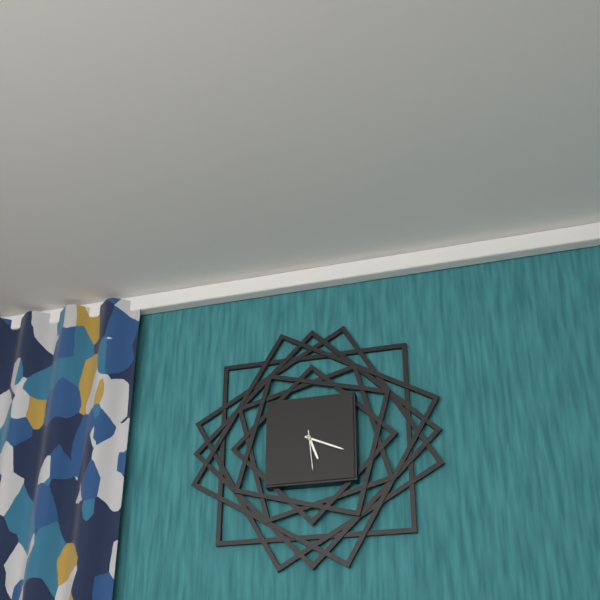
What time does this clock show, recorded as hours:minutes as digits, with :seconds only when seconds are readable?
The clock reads 5:19
